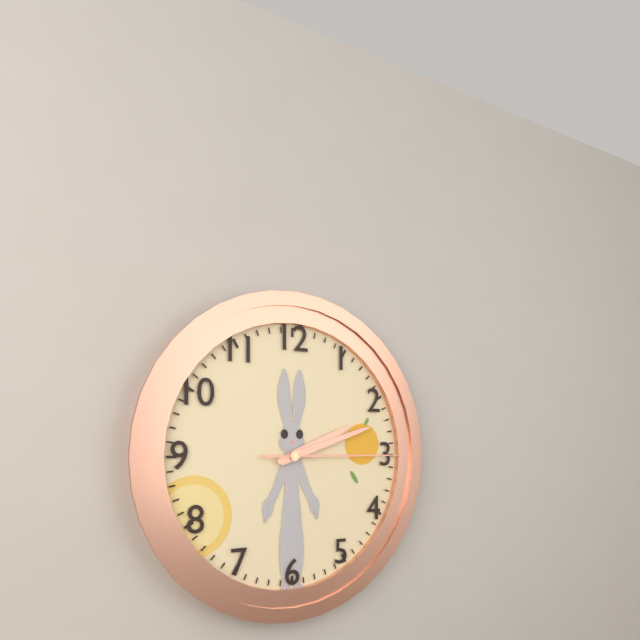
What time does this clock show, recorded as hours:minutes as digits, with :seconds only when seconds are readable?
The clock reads 2:12:15
